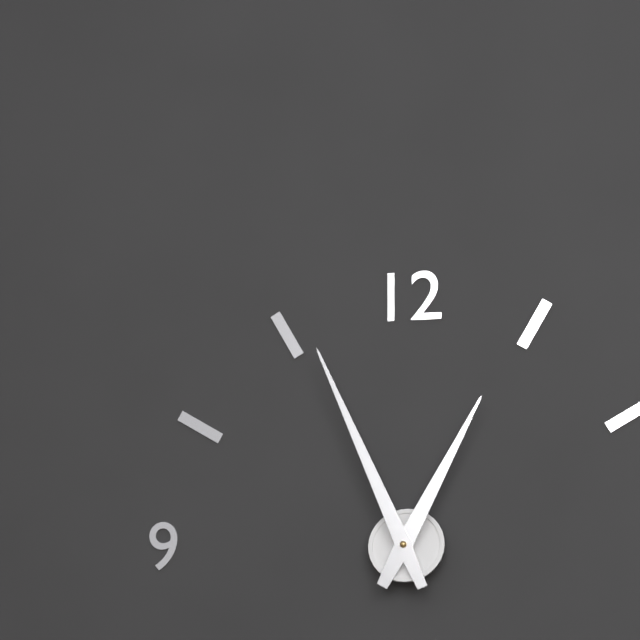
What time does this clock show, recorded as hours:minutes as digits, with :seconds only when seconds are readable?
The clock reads 12:56
